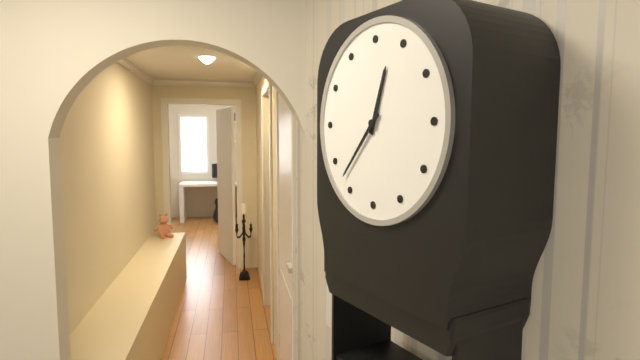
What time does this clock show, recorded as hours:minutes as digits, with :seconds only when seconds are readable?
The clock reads 12:37
